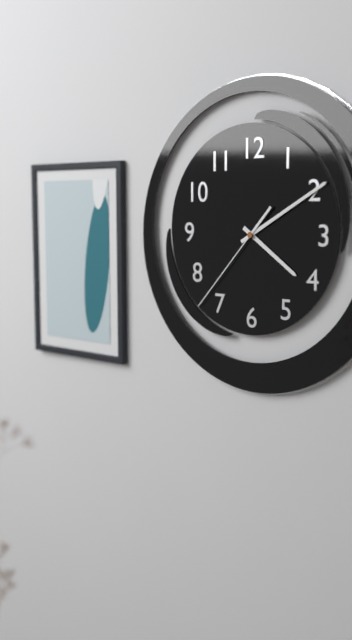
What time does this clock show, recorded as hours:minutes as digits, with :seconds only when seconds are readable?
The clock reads 4:10:37
